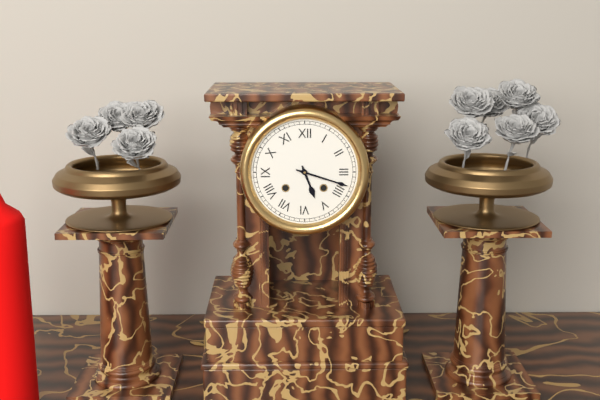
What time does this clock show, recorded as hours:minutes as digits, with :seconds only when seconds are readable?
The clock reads 5:18
